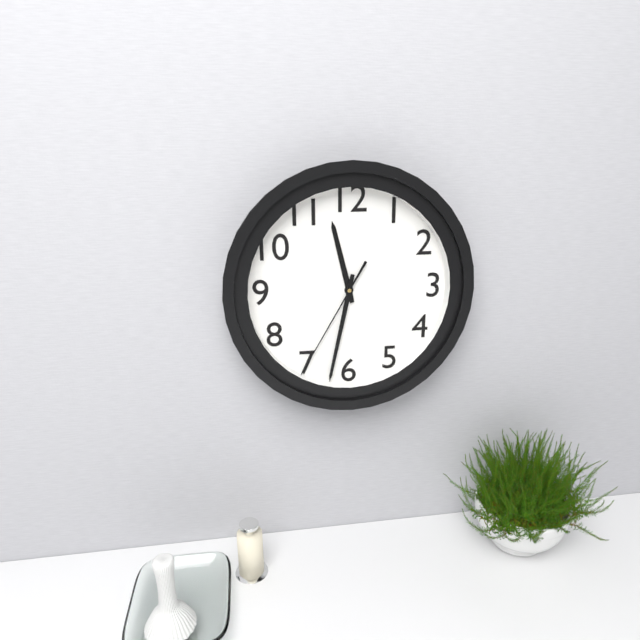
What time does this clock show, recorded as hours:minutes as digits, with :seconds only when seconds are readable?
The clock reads 11:32:35
